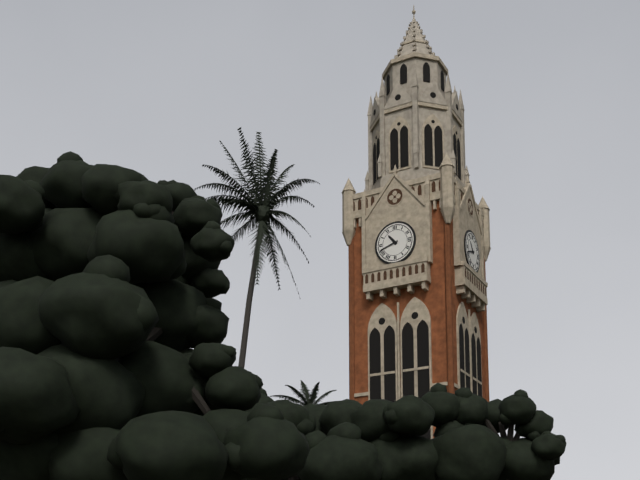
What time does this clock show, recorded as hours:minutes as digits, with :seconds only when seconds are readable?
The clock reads 10:42
